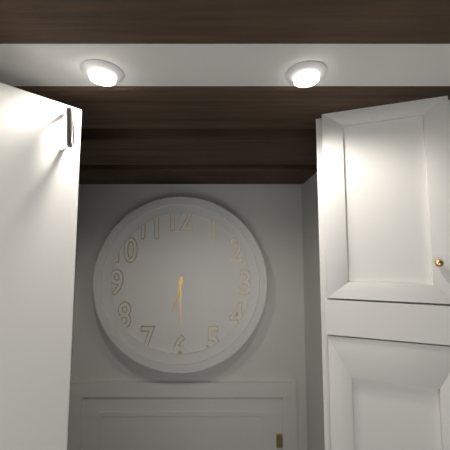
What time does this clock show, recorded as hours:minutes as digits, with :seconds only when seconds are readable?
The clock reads 6:30
